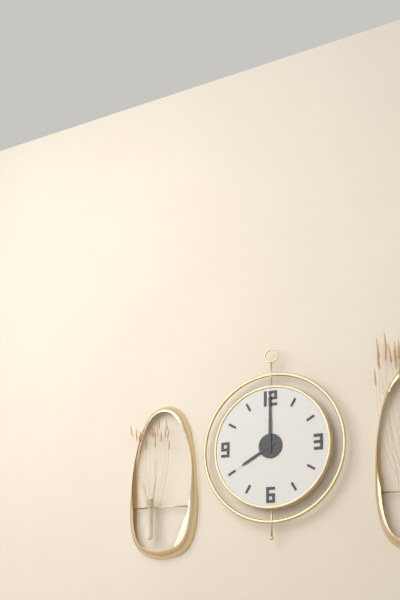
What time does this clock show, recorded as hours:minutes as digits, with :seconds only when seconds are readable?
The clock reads 8:00
